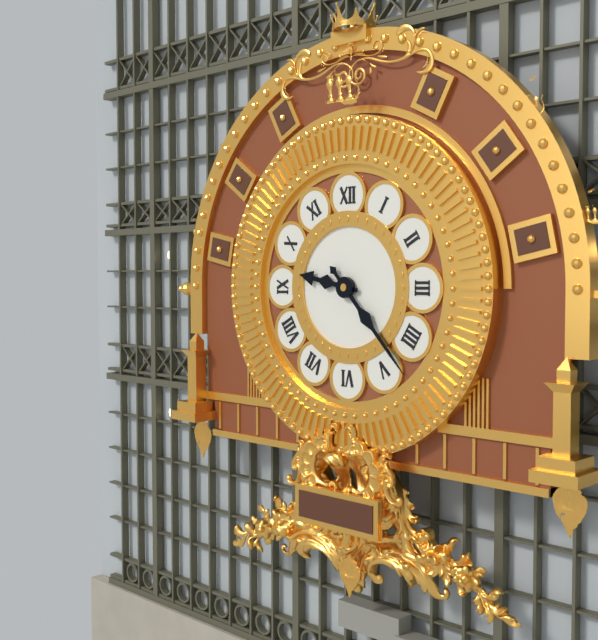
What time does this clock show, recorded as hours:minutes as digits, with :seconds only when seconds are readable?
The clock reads 9:23
